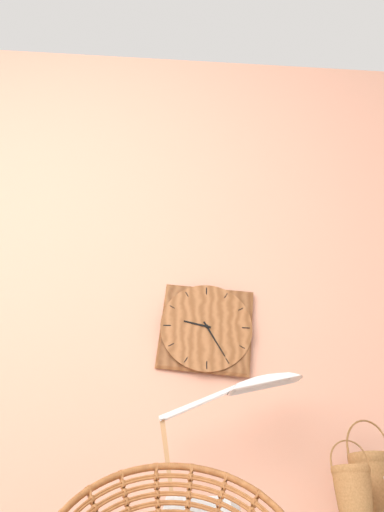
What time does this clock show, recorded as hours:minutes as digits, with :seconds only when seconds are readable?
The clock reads 9:25
